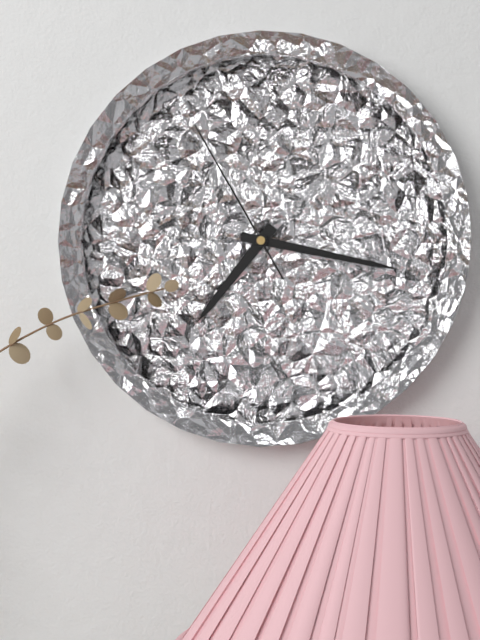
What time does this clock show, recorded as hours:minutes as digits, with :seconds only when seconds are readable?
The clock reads 7:17:55
